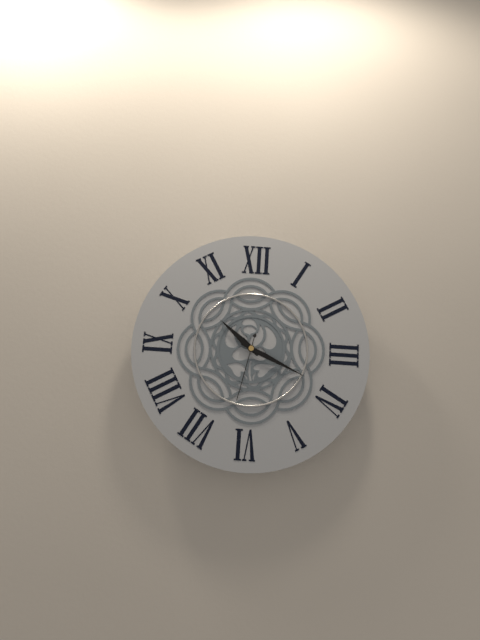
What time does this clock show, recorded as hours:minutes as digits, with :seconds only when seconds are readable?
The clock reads 10:19:32
